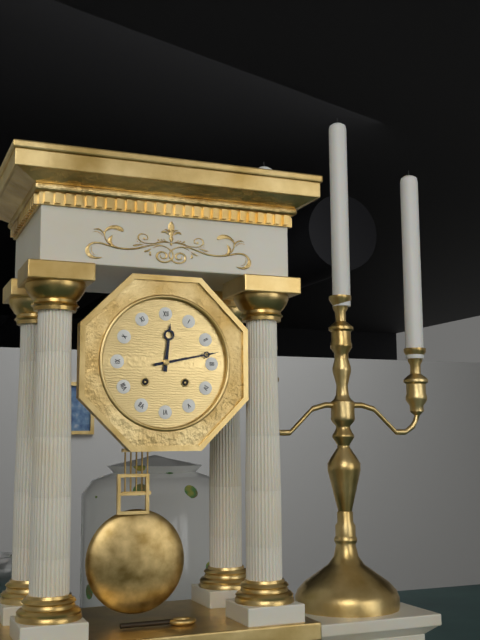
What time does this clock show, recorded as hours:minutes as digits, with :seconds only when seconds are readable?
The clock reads 12:13
